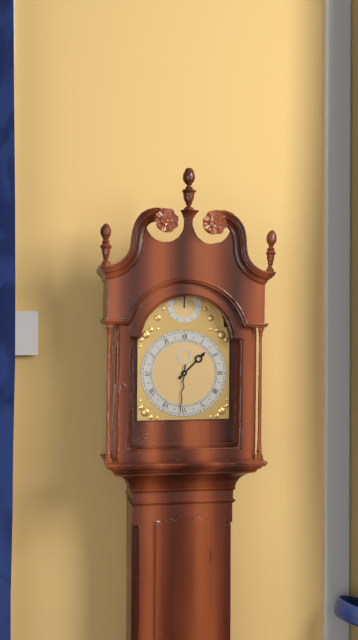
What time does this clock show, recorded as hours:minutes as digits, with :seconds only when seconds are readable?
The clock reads 1:31
